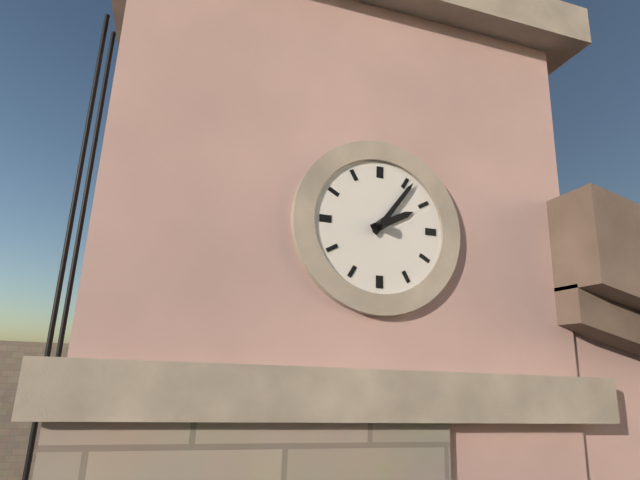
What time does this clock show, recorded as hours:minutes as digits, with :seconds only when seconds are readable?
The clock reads 2:06
